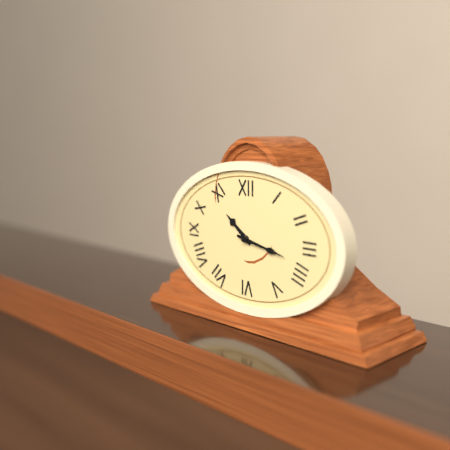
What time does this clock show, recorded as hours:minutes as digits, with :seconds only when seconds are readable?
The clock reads 10:17
